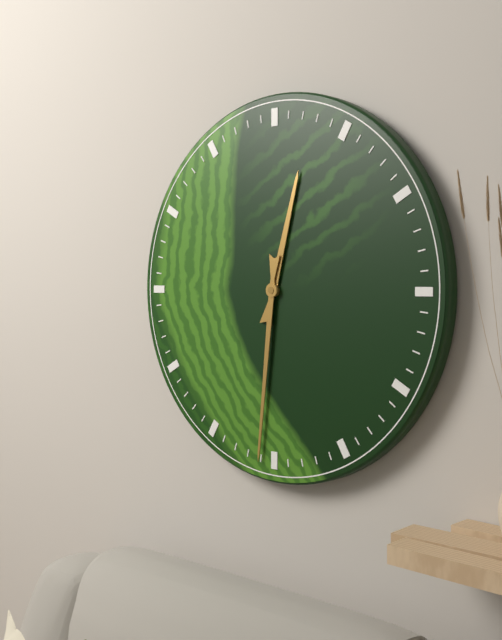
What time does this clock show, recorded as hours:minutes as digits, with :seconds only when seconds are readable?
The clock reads 12:31
